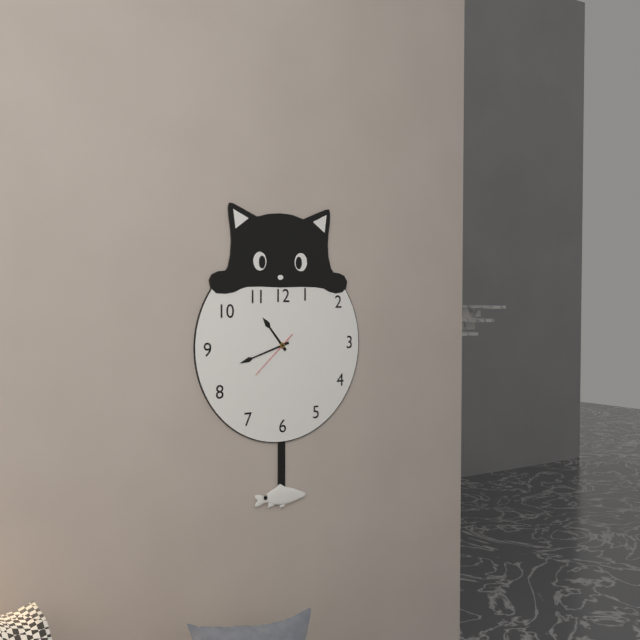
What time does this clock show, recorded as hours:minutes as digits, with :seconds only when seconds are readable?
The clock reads 10:42:38
